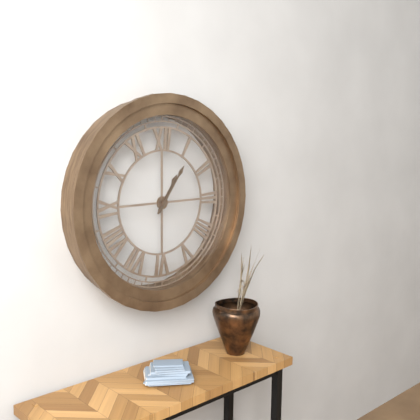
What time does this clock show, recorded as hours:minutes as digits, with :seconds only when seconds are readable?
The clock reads 1:06
